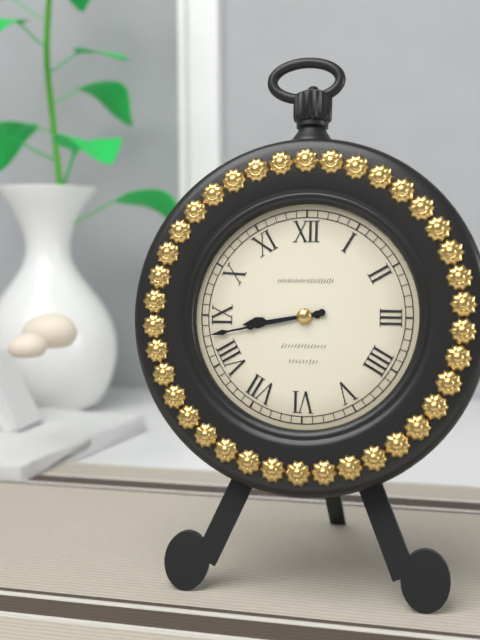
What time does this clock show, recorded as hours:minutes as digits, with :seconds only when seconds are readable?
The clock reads 8:43
